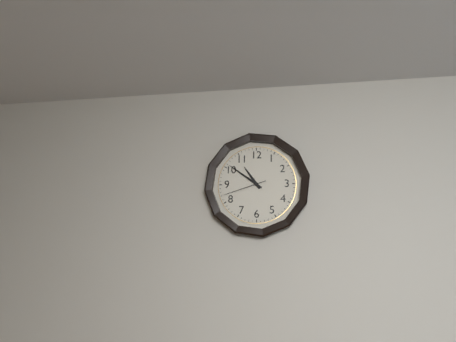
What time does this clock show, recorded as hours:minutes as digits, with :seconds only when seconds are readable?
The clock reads 10:51
